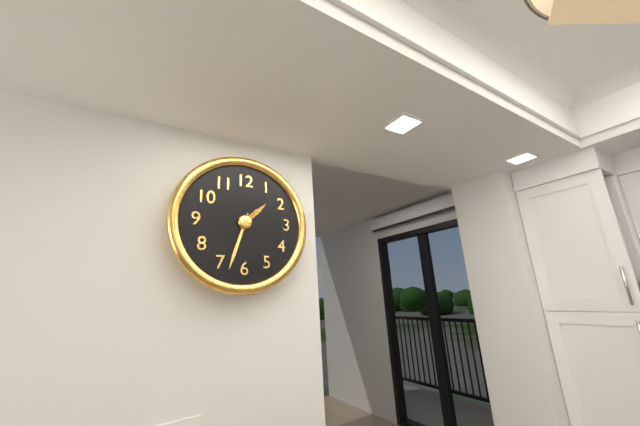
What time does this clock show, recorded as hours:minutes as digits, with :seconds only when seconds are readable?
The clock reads 1:33
